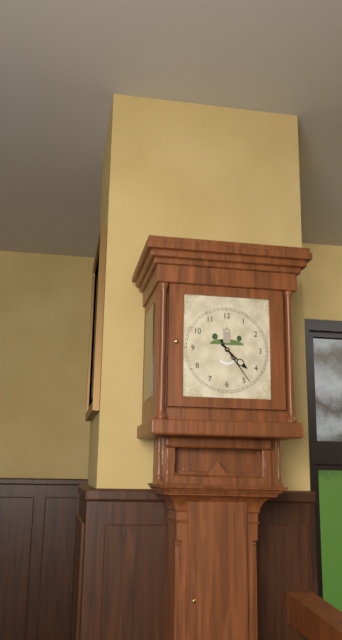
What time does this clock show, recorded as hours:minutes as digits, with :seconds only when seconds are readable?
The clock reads 4:24
